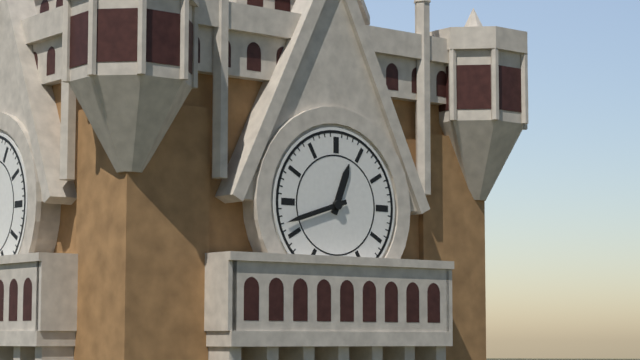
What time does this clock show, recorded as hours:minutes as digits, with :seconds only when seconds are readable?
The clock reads 12:42
